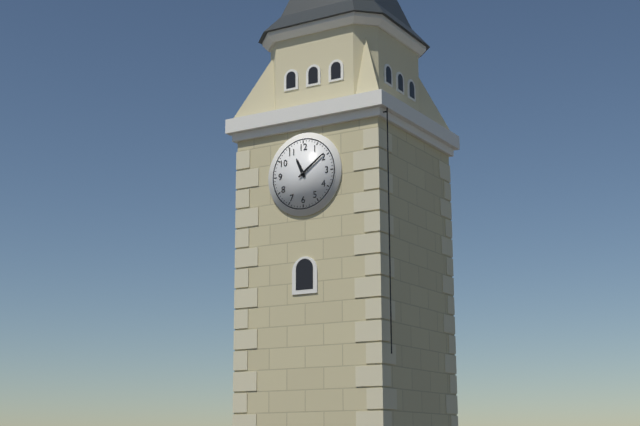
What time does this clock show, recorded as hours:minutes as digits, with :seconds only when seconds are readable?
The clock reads 11:09
